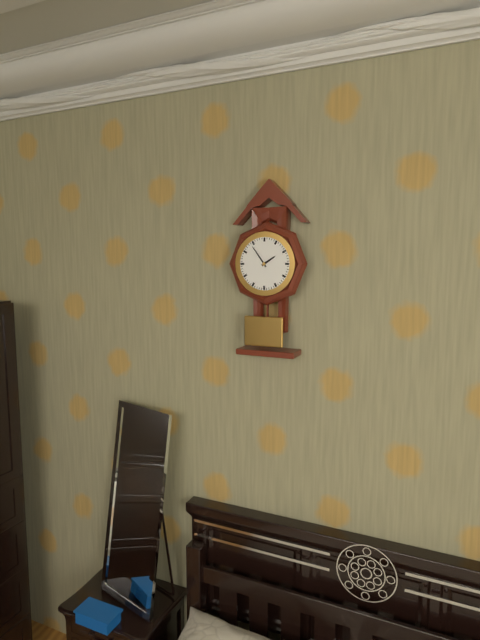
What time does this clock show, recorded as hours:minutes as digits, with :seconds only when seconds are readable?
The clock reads 1:54
